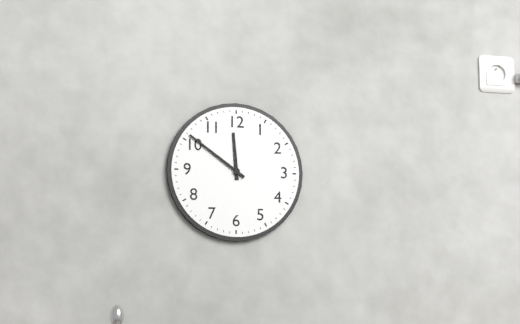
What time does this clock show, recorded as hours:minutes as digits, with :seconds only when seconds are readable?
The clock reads 11:51
